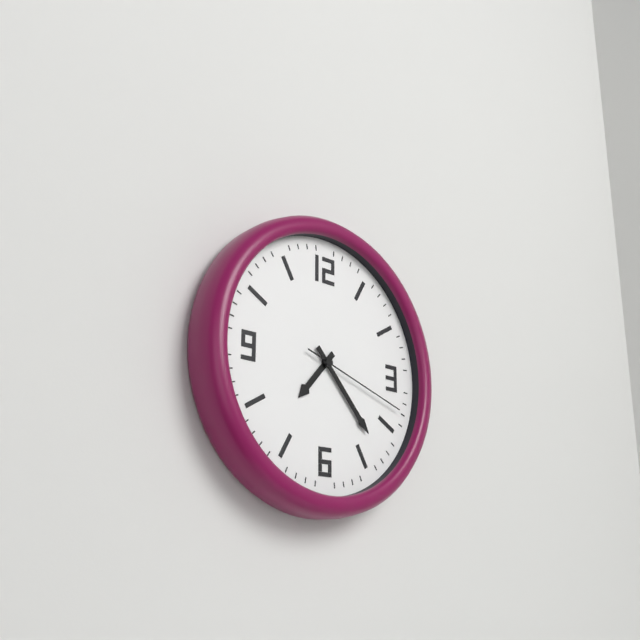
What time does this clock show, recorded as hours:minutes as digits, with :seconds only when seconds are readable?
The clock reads 7:23:18
